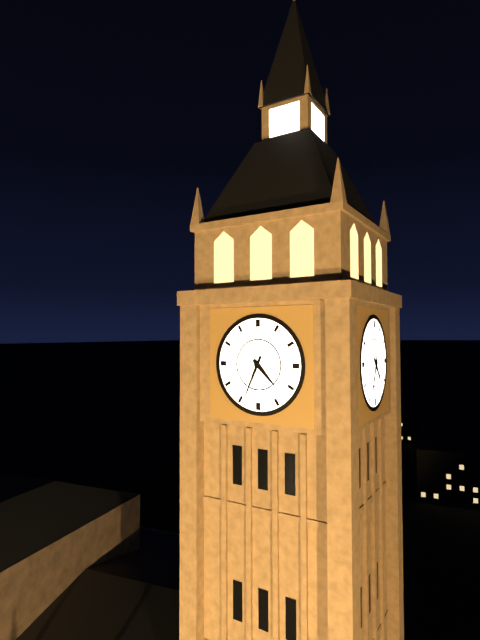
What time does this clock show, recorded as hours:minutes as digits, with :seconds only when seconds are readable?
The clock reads 4:34
